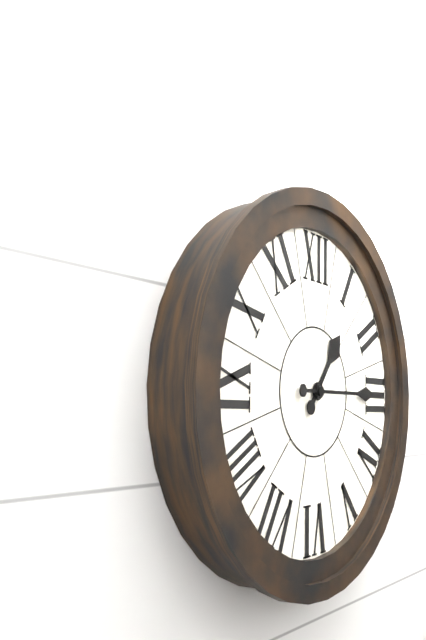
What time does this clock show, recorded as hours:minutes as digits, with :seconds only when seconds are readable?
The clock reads 1:15
